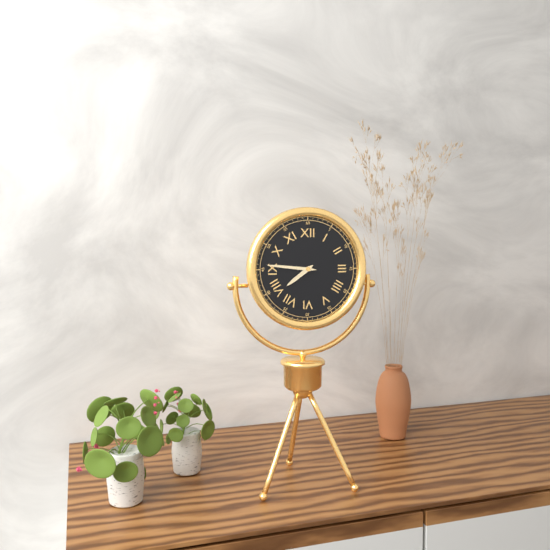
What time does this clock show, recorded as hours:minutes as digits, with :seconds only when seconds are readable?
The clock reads 7:46
